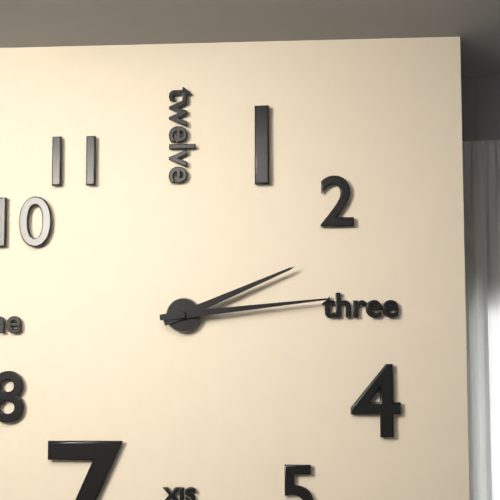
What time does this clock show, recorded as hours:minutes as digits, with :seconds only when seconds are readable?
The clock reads 2:14
